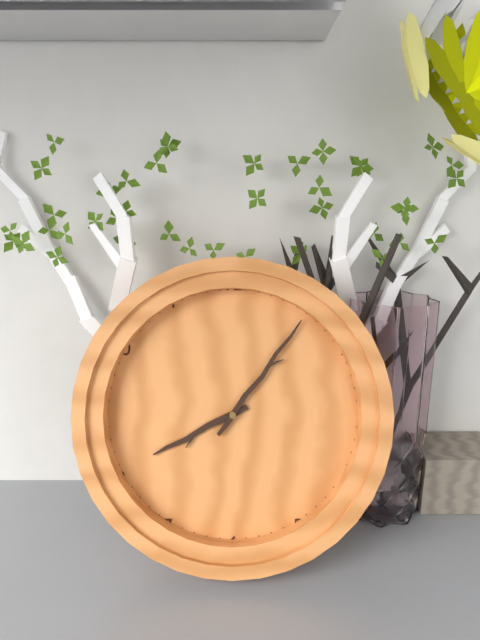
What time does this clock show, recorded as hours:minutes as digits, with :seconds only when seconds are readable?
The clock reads 8:06
